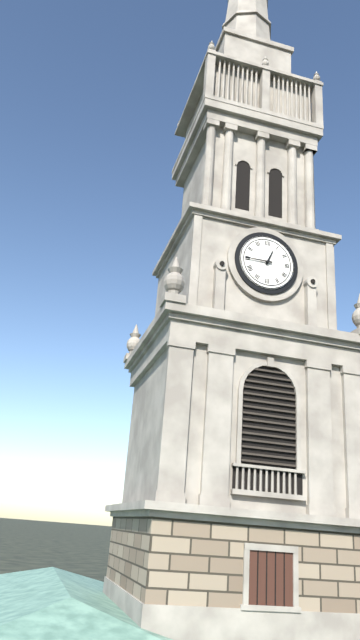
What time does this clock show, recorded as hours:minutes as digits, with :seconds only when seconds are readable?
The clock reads 12:45
